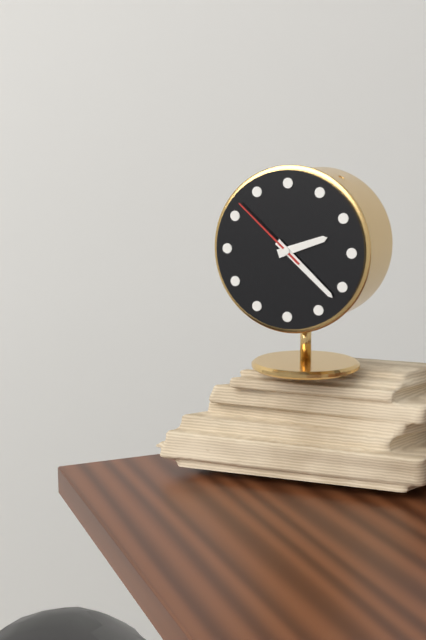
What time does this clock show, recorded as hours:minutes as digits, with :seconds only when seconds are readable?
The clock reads 2:22:52
